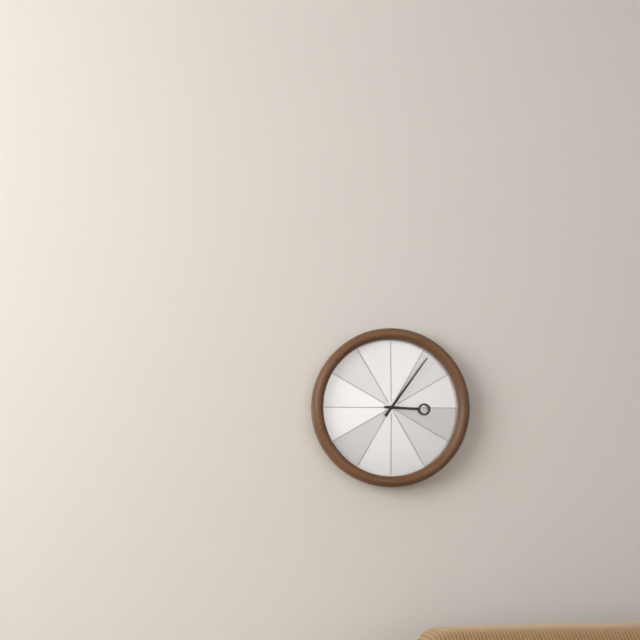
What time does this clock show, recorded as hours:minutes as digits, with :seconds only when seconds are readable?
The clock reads 3:06
